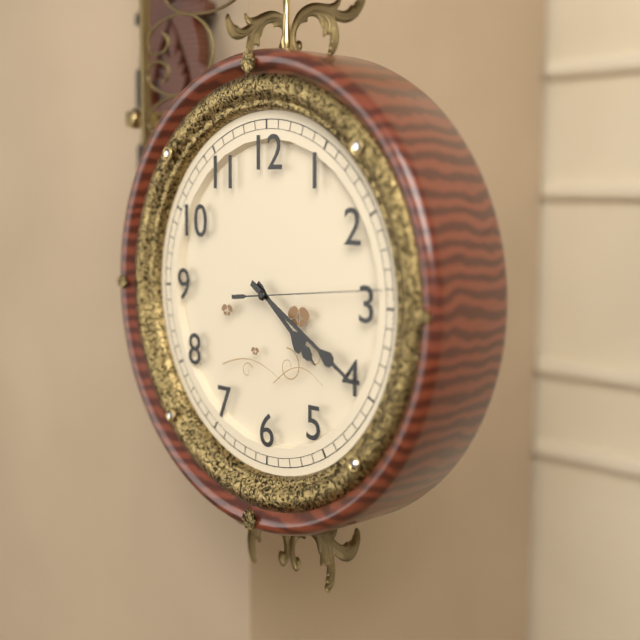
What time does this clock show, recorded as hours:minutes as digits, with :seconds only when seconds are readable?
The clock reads 4:20:14
